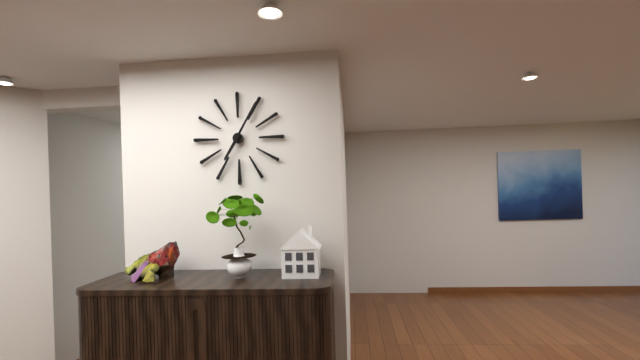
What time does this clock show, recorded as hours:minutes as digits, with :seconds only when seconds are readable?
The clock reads 7:05
